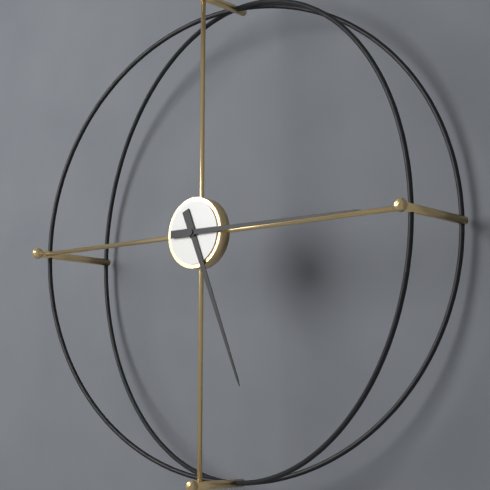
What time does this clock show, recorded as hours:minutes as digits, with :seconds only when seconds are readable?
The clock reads 5:15
